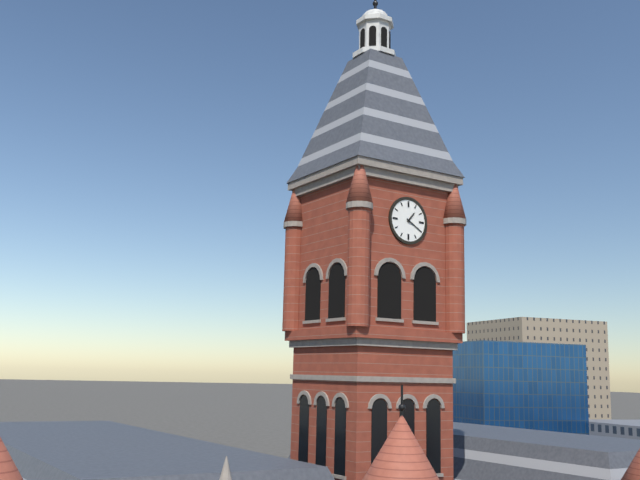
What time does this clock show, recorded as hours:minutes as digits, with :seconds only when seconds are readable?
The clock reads 1:20
